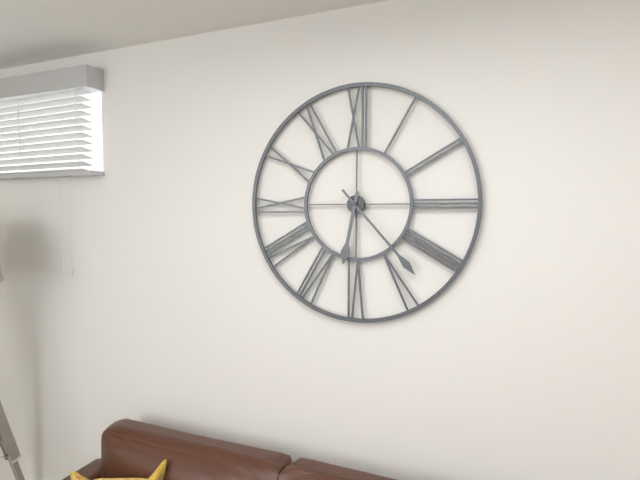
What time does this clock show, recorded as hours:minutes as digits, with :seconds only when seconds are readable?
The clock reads 6:23
